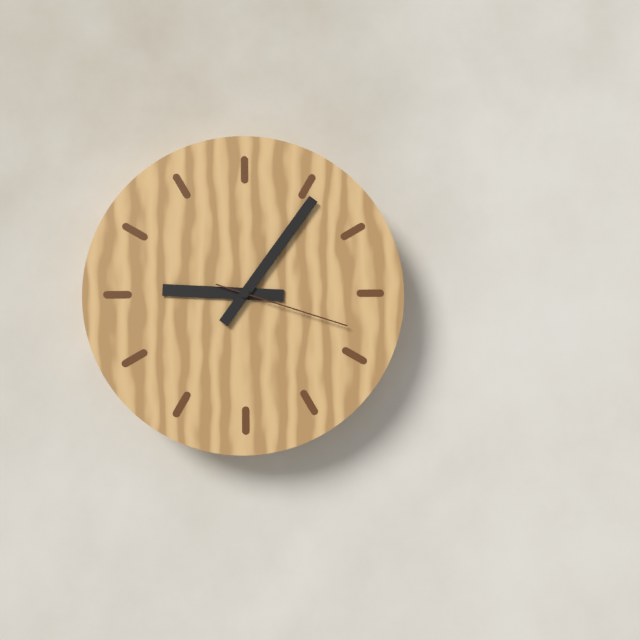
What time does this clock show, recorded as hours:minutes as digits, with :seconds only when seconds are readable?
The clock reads 9:06:18
